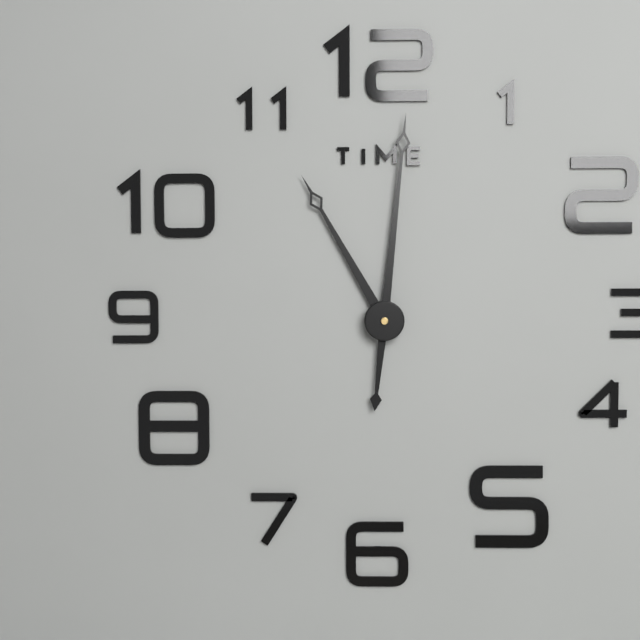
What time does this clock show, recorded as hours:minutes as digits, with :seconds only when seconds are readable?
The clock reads 11:01
